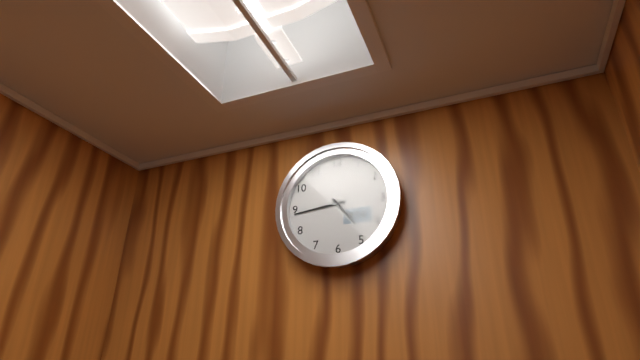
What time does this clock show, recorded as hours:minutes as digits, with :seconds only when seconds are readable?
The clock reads 4:44
